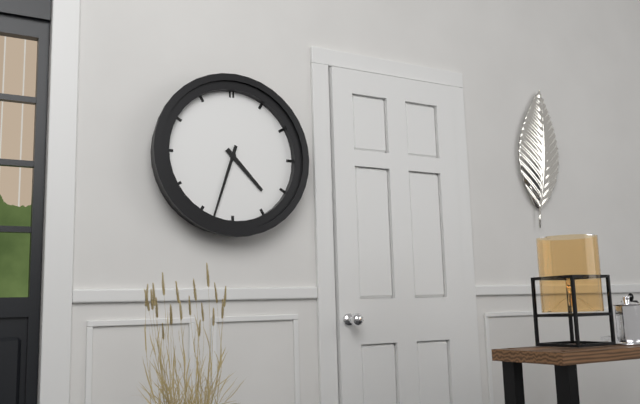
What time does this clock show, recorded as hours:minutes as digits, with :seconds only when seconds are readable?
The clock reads 4:33
